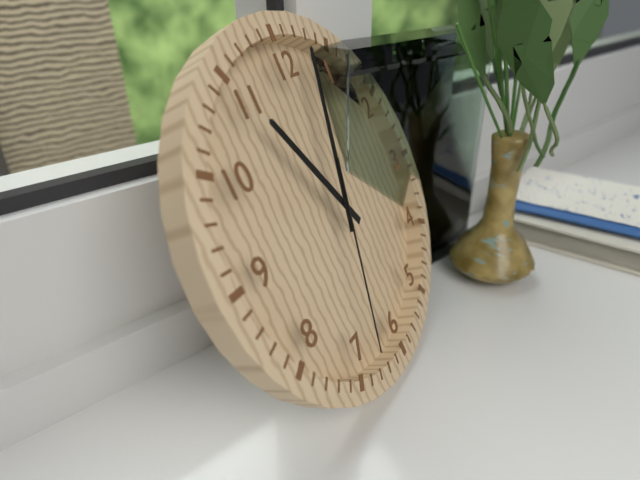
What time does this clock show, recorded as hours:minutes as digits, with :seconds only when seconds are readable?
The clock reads 11:03:33
